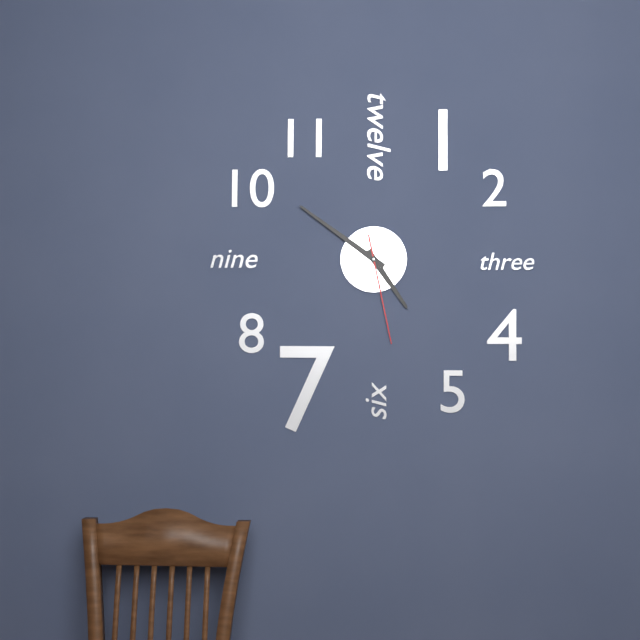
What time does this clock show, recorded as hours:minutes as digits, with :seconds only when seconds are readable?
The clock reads 4:51:28
